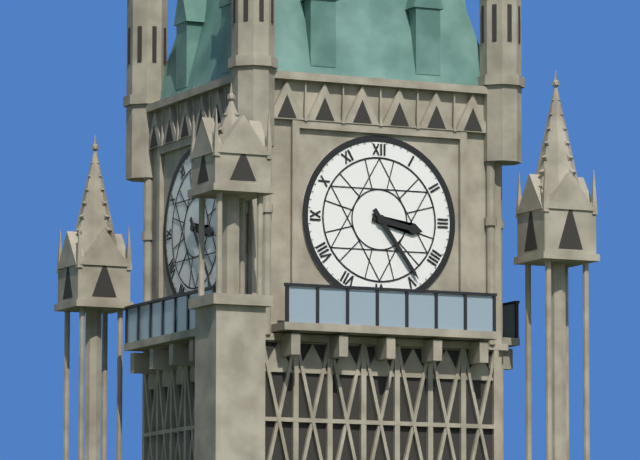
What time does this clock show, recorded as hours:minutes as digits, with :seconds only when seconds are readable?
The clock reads 3:24
